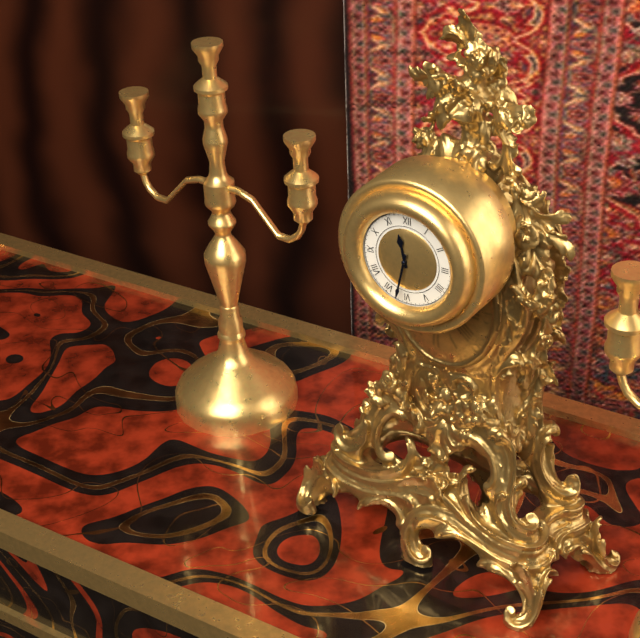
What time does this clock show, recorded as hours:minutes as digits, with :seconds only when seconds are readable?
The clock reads 11:32
